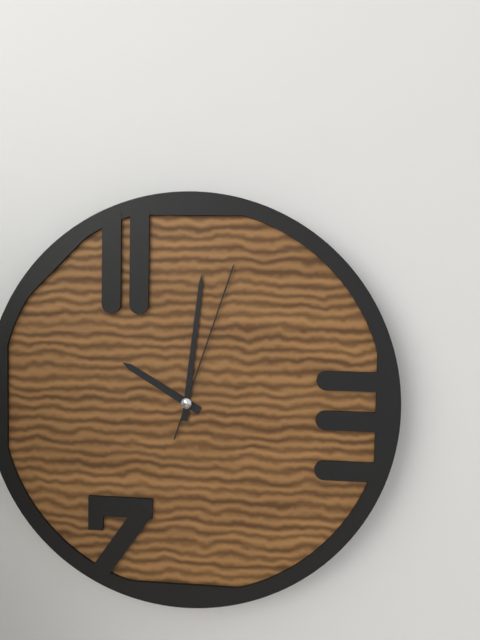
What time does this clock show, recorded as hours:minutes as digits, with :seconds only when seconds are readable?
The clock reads 10:01:03
